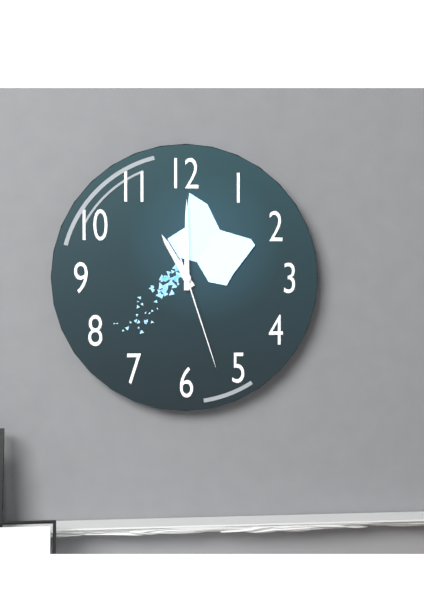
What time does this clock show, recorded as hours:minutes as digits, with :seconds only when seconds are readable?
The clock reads 11:00:27
